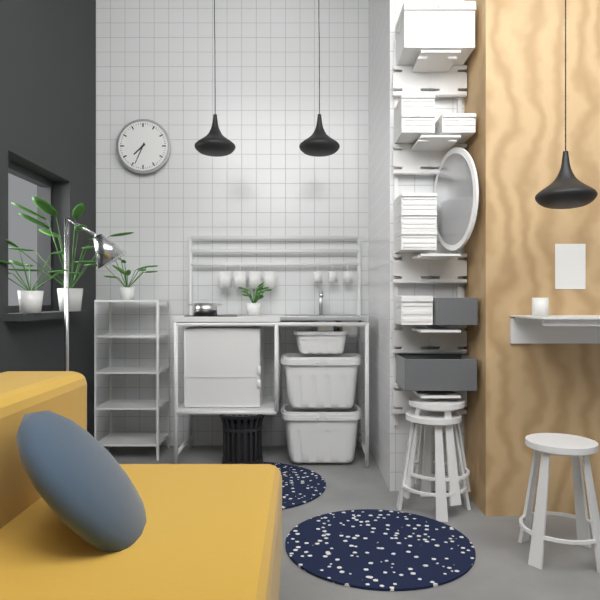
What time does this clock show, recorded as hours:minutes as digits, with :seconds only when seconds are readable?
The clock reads 7:34
